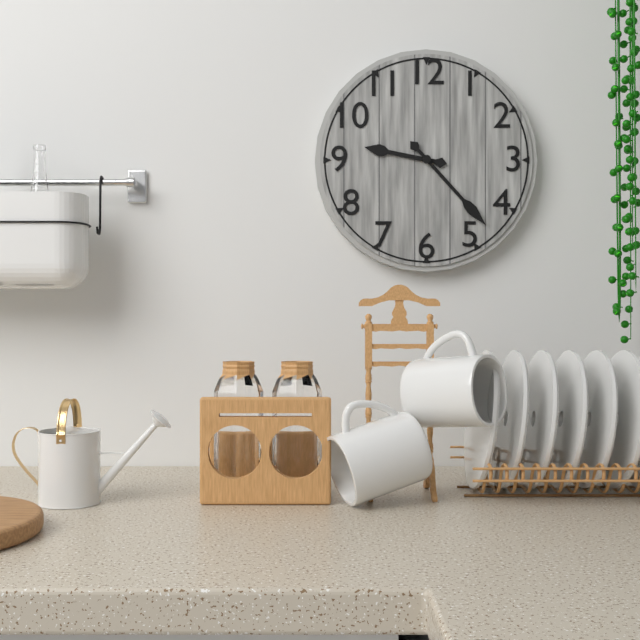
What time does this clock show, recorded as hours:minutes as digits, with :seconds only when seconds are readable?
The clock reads 9:23
